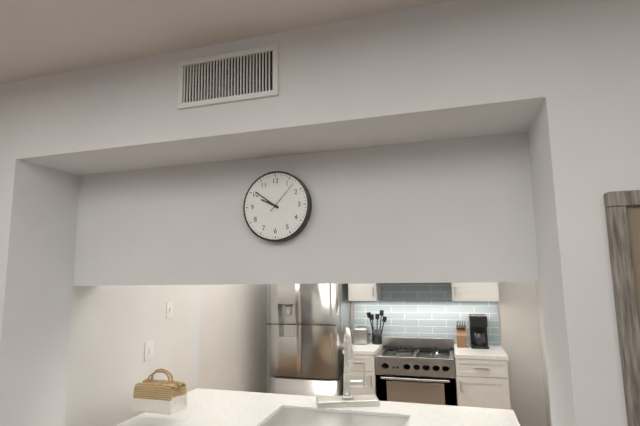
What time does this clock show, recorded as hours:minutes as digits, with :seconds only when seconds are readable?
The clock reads 9:51
